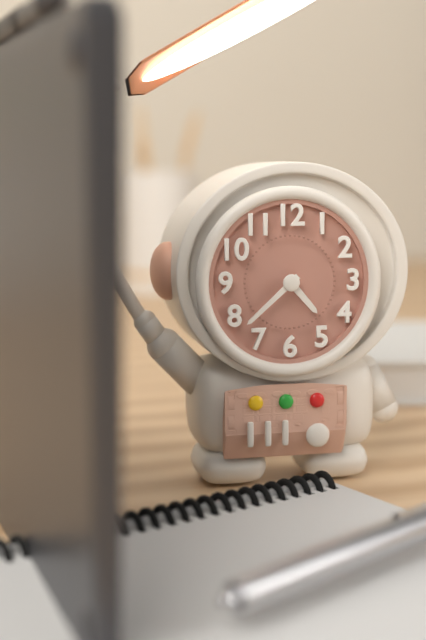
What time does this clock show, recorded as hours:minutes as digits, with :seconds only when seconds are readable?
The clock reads 4:38
